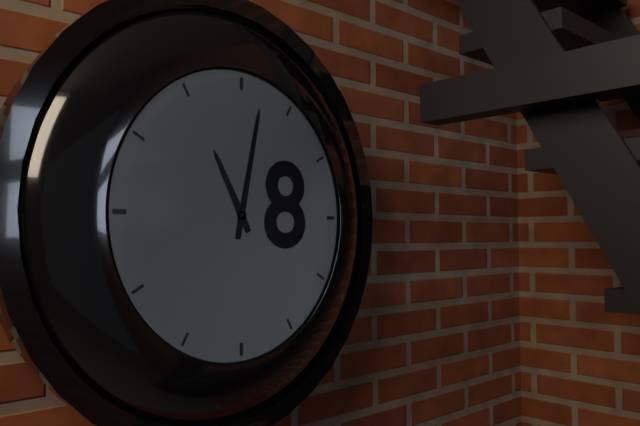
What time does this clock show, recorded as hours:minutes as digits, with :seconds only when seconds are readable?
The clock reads 11:02
